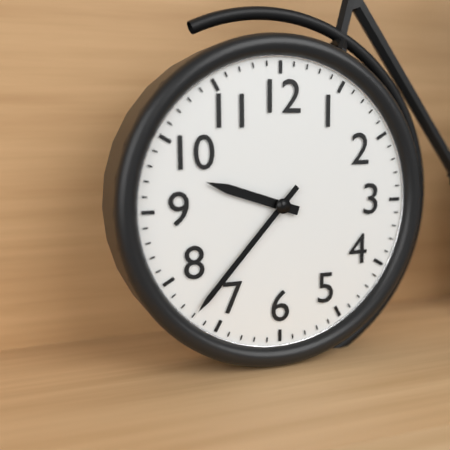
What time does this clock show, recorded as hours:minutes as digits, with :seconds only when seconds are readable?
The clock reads 9:37
